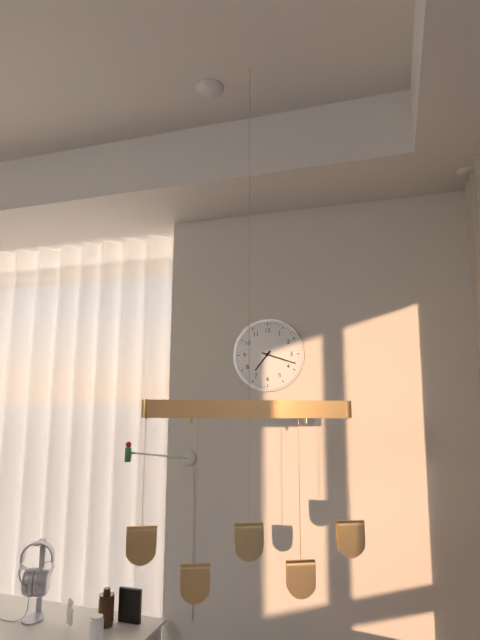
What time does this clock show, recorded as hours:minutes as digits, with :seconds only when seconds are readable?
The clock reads 7:18
